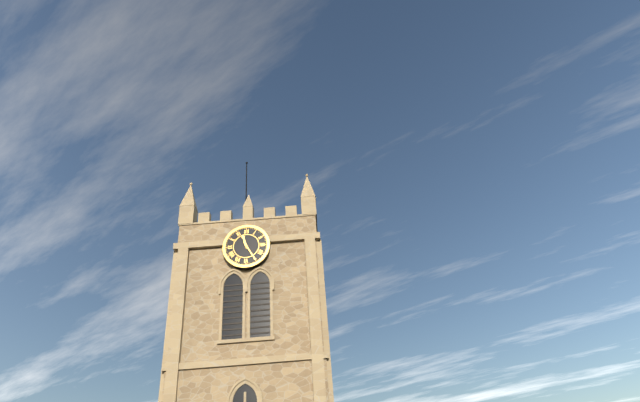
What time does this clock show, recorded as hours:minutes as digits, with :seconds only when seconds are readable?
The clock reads 11:25
